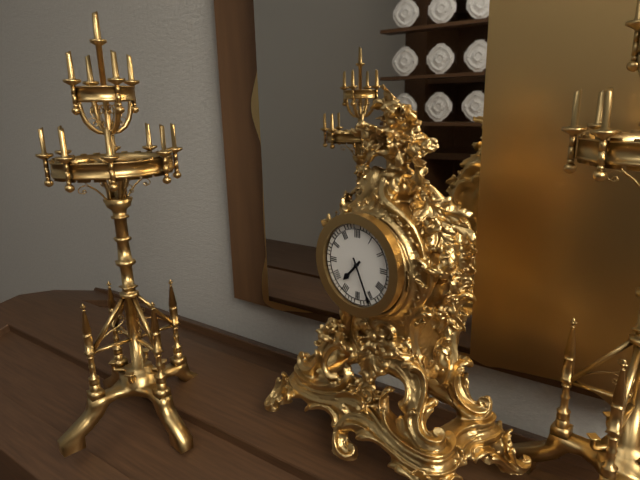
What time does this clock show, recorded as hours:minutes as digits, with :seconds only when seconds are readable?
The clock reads 7:26
